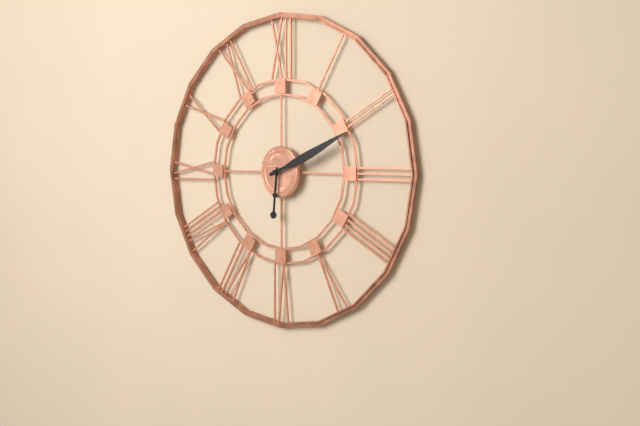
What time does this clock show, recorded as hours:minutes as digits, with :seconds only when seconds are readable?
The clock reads 6:11
